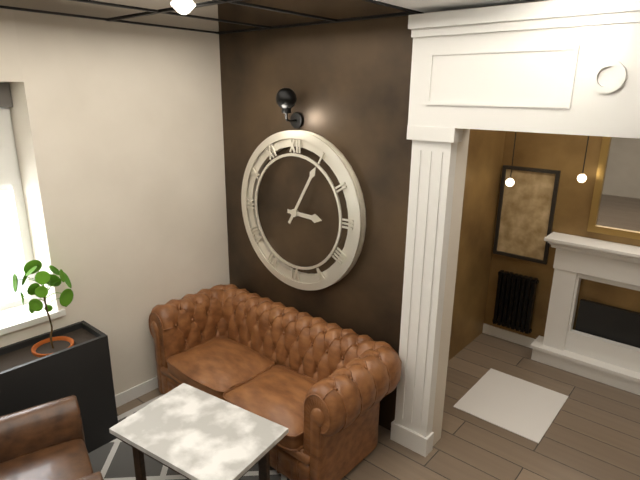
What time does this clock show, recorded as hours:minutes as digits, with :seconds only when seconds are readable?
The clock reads 3:05
